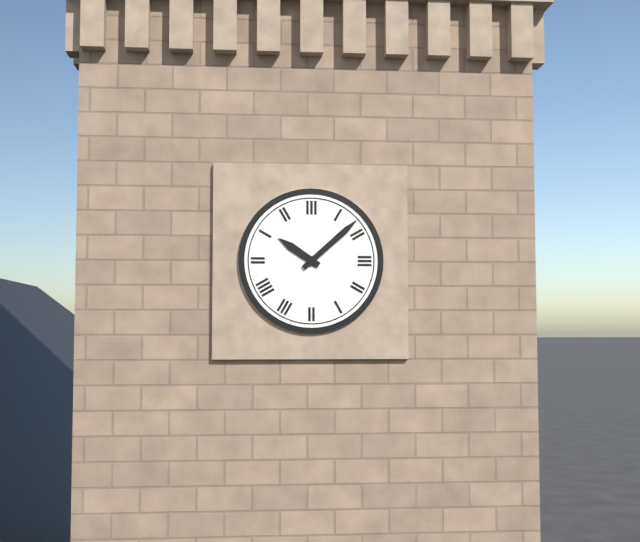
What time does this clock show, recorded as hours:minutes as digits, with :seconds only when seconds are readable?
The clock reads 10:08
